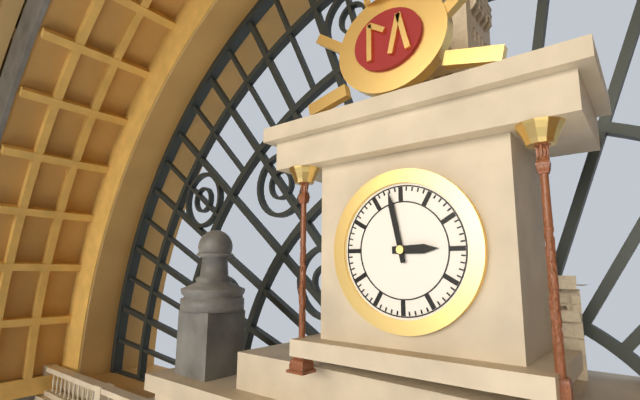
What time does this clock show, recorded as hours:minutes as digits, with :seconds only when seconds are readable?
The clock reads 2:58
